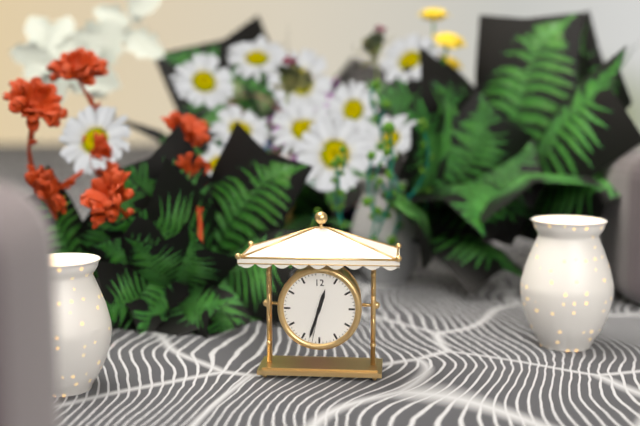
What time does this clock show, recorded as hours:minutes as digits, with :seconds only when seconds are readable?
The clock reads 12:33
